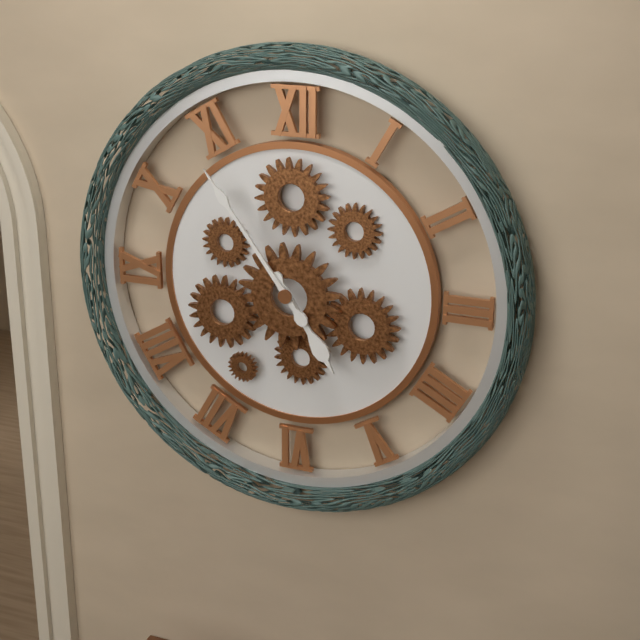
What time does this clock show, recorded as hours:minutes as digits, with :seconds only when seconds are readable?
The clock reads 4:54
